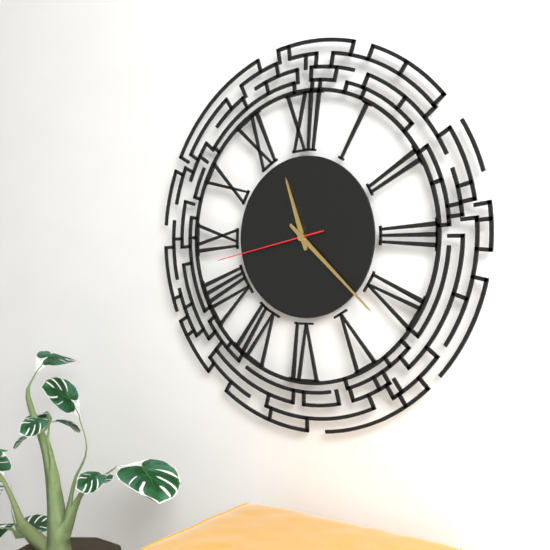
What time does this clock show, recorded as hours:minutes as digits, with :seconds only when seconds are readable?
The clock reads 11:22:43
